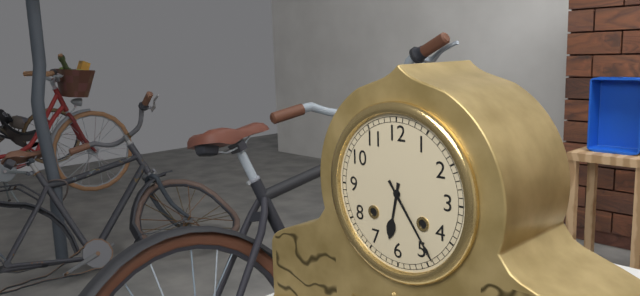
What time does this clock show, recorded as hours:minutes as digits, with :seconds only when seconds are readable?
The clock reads 6:24
